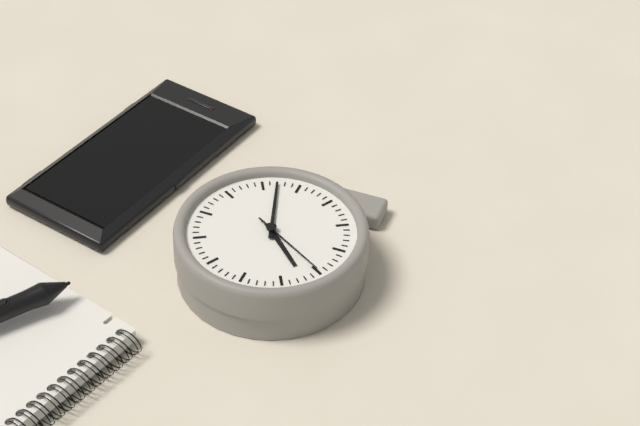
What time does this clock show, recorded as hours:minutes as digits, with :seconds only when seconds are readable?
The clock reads 10:27:50
